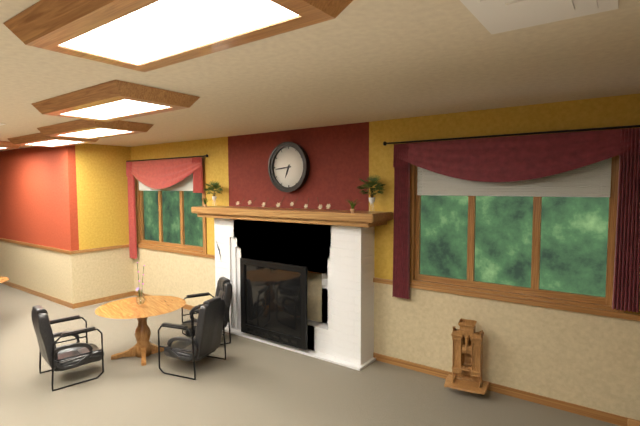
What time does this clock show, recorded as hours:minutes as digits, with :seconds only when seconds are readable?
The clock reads 6:44
